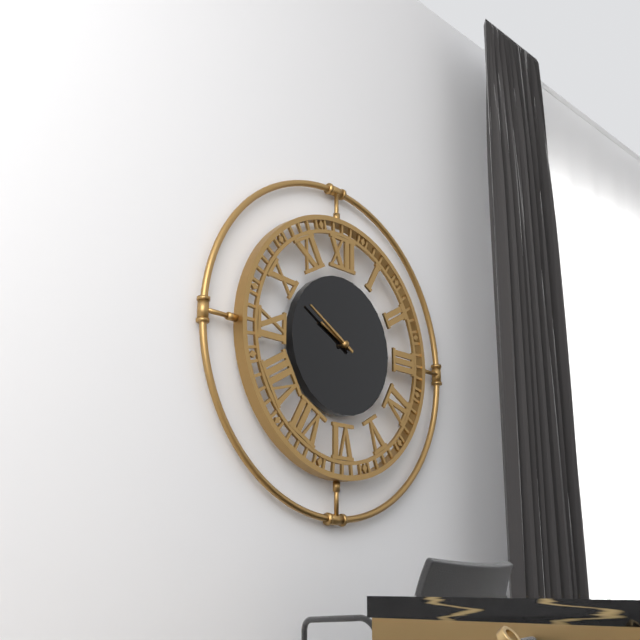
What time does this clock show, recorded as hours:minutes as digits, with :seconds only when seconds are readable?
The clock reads 9:50
